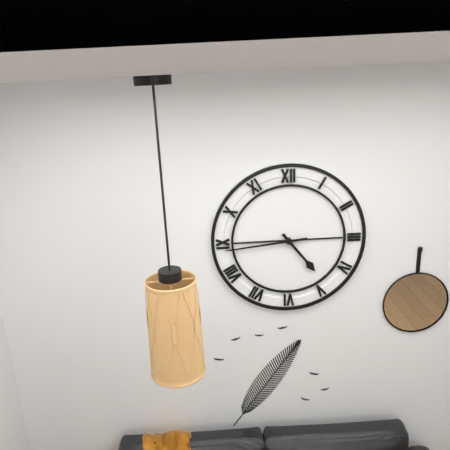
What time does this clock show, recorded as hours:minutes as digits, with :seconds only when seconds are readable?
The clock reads 4:44
